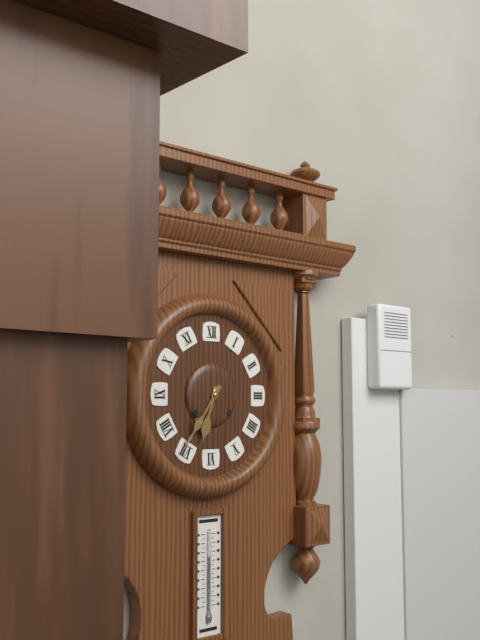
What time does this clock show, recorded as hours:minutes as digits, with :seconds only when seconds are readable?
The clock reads 6:36
